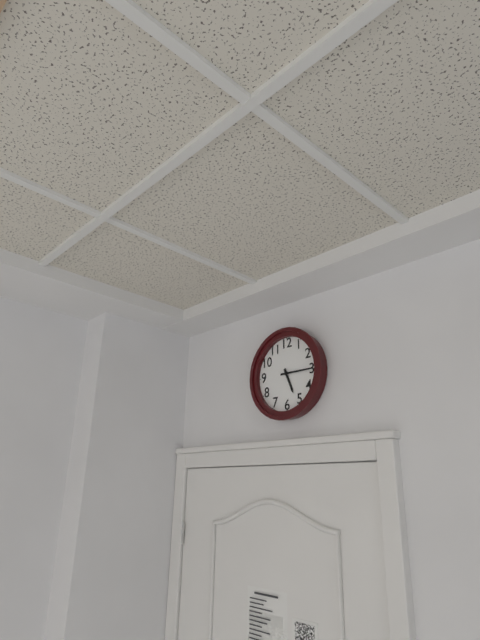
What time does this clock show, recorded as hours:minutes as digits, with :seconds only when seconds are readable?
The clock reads 5:15
